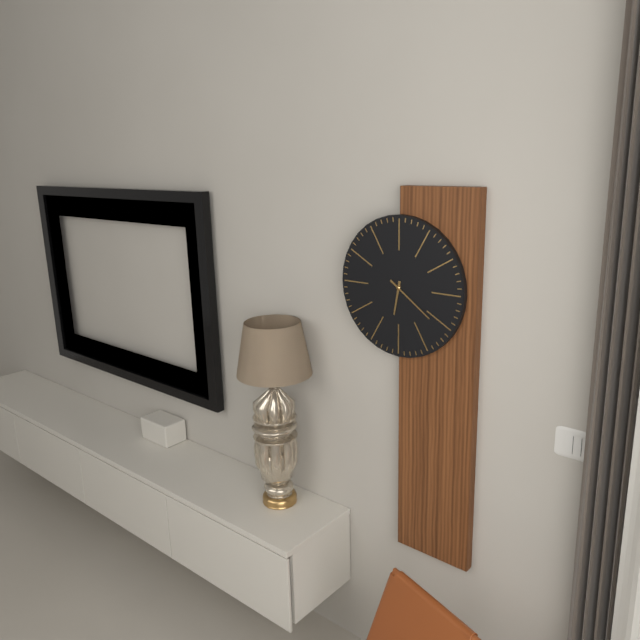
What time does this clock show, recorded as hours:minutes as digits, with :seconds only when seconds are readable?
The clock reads 6:21
